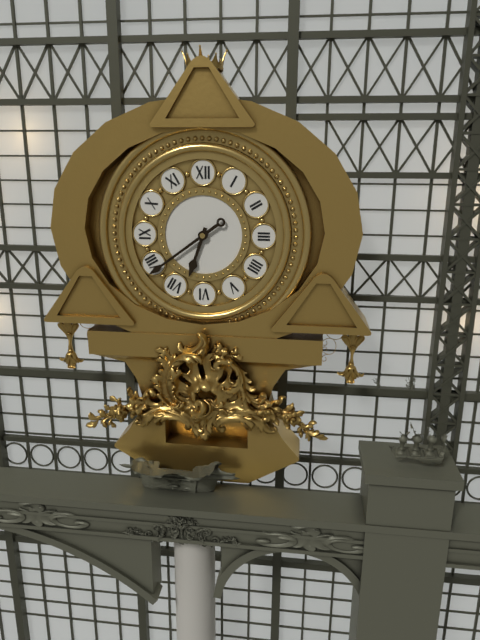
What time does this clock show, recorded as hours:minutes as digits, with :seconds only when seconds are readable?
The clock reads 6:39
